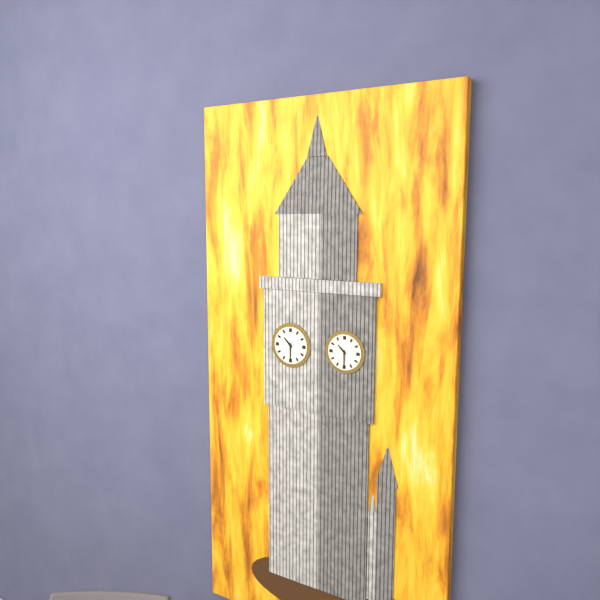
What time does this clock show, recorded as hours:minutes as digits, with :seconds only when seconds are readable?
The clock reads 10:30
